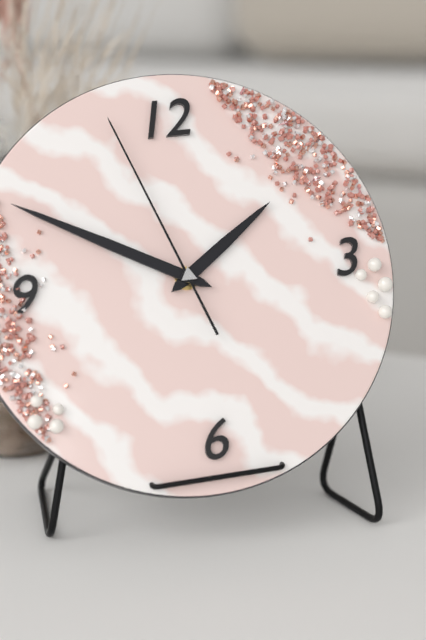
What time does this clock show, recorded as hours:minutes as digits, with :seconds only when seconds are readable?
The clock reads 1:50:57
